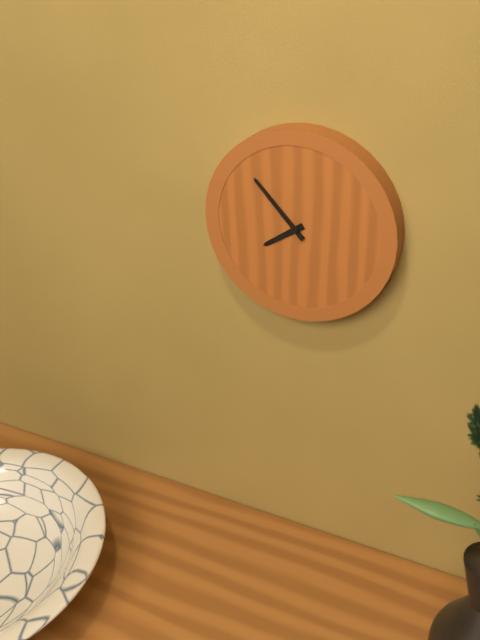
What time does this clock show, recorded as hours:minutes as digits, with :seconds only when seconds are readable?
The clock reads 7:53
